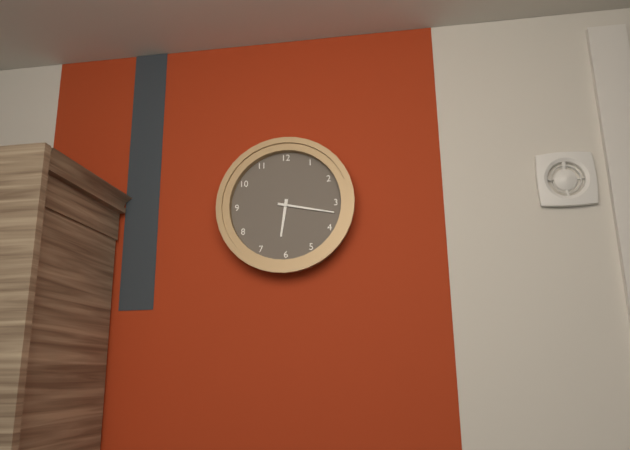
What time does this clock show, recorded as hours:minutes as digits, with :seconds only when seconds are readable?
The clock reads 6:17
